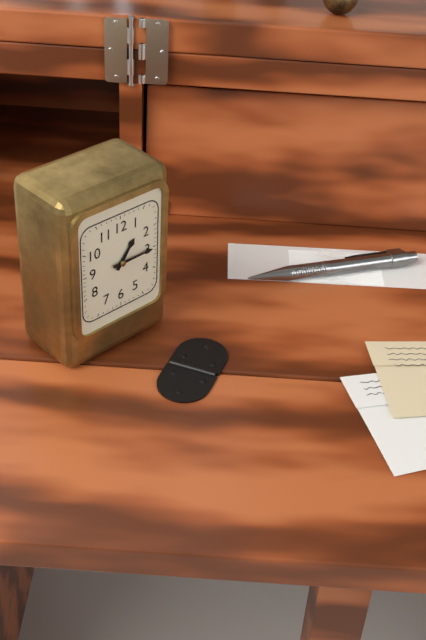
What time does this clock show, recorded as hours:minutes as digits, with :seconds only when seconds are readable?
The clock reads 1:15
